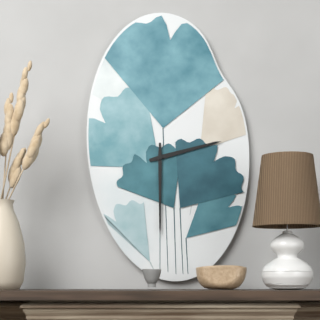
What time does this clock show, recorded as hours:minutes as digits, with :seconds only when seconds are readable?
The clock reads 2:30
